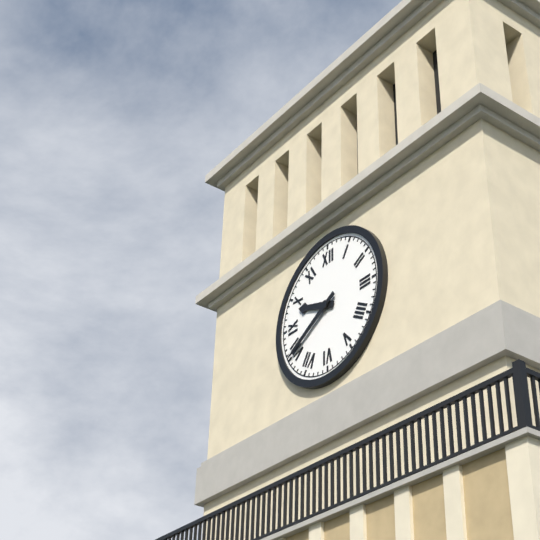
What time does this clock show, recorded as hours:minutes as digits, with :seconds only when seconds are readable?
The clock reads 9:40
